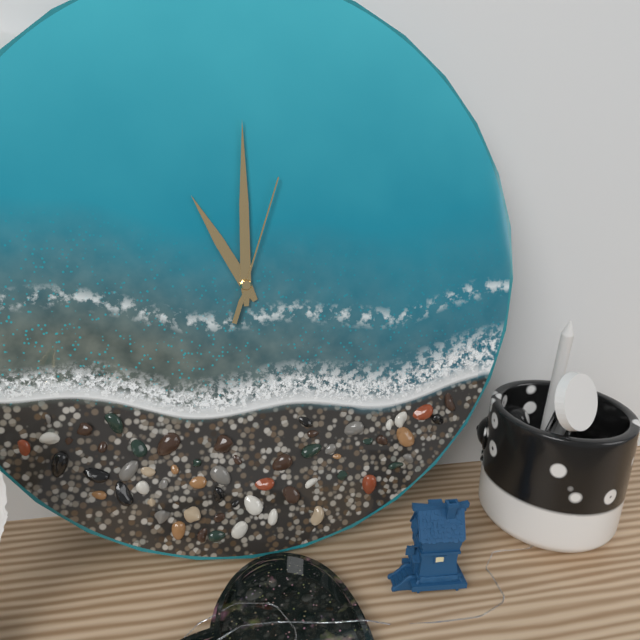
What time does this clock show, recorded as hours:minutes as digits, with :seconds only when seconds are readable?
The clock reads 11:00:03
